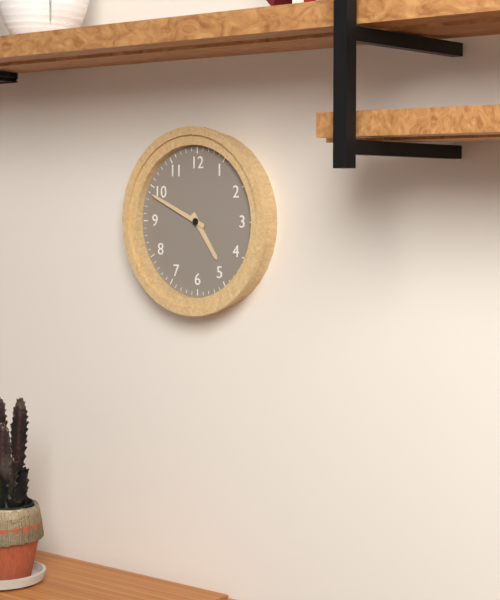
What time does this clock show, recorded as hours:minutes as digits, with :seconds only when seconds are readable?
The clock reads 4:49
